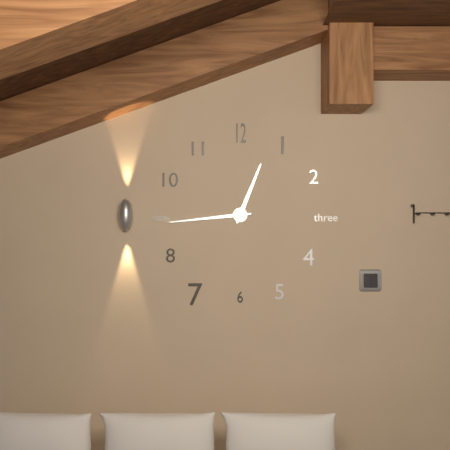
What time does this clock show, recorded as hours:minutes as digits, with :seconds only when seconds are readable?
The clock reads 12:44
